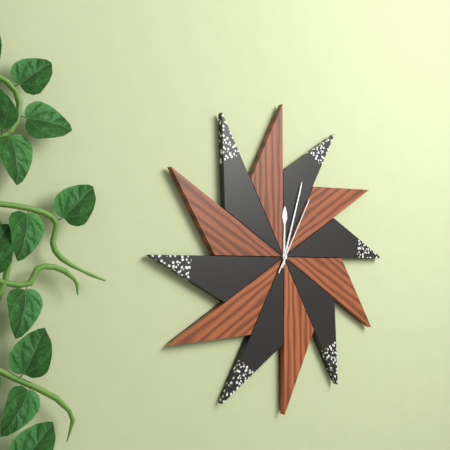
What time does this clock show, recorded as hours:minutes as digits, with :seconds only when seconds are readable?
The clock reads 12:03:05
